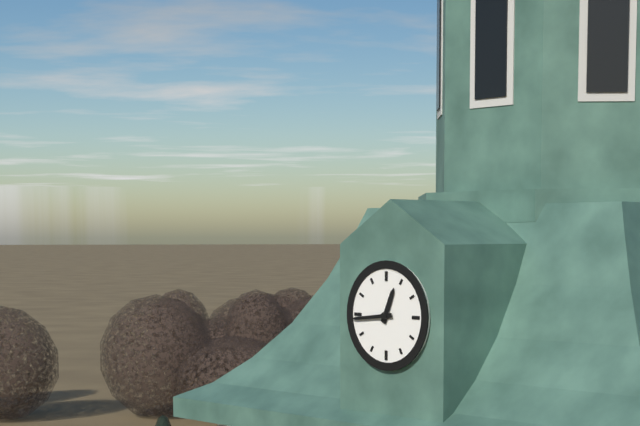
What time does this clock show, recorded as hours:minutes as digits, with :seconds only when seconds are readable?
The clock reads 12:44
